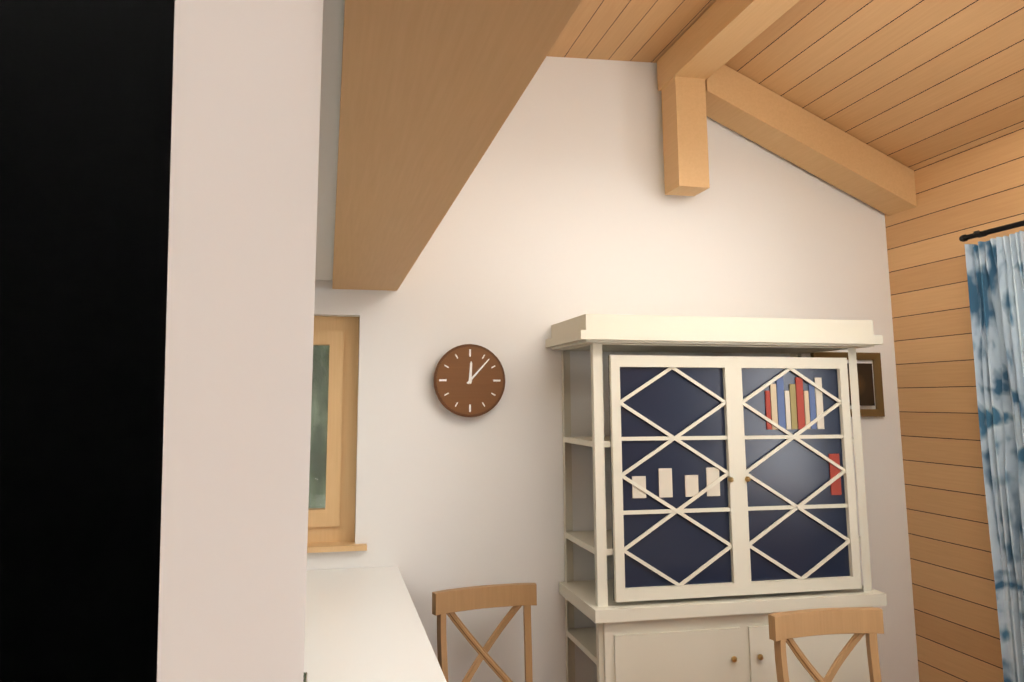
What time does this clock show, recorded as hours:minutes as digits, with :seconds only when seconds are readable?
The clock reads 12:07
